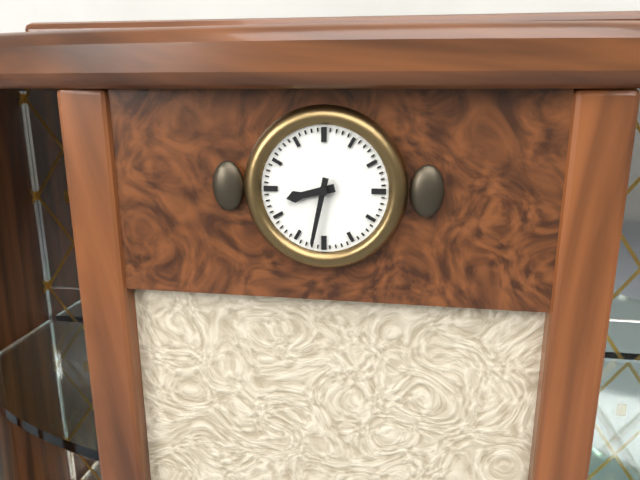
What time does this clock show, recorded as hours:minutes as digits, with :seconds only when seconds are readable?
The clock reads 8:32
